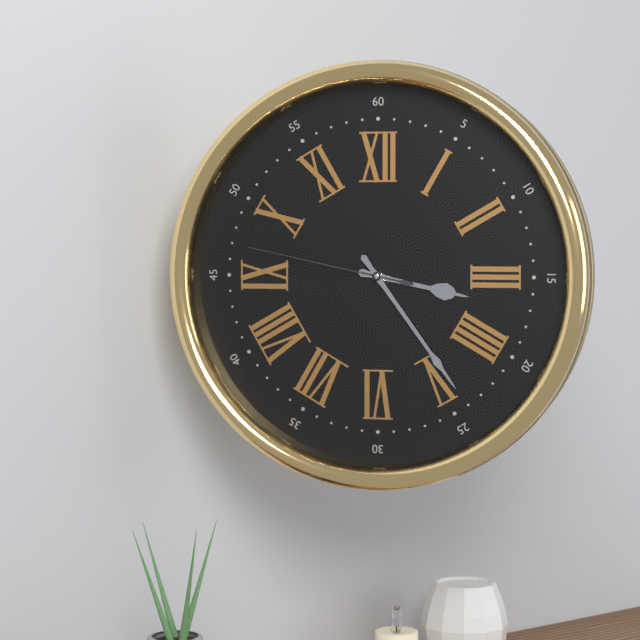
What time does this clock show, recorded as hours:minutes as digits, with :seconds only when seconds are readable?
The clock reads 3:24:47
